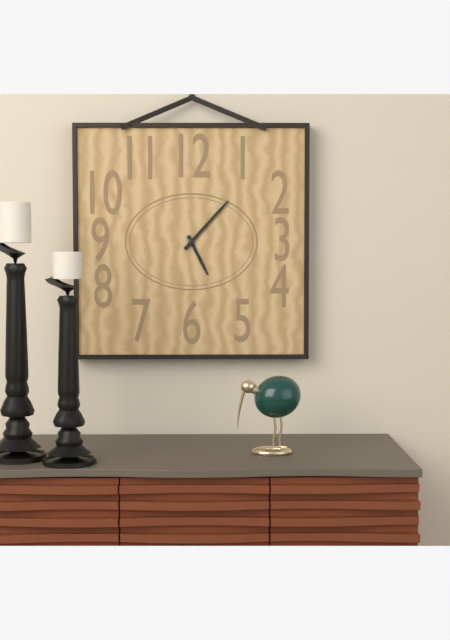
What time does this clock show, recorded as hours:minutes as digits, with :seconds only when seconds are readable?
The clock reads 5:07
